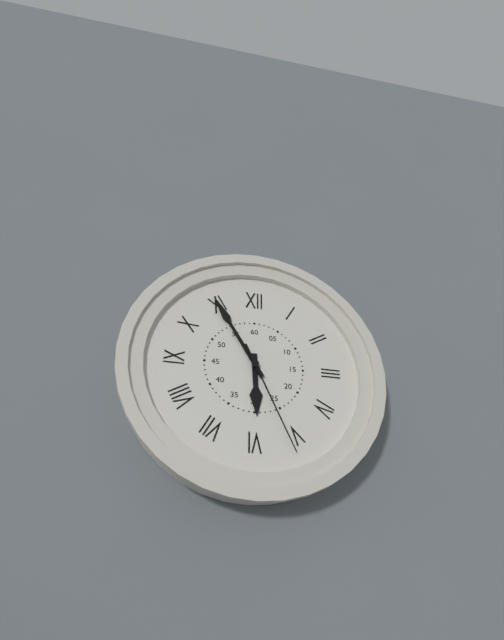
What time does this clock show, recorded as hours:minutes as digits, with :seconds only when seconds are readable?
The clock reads 5:55:26
